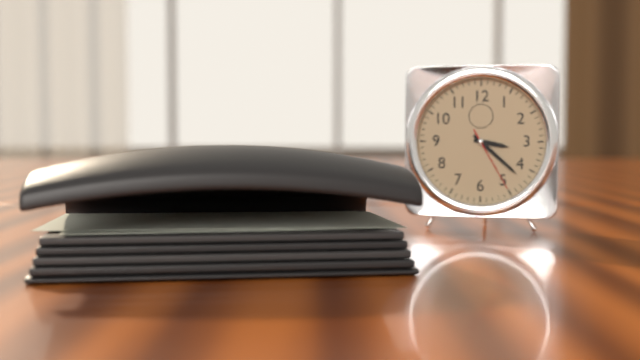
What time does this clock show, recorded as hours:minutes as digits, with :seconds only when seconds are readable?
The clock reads 3:22:25
